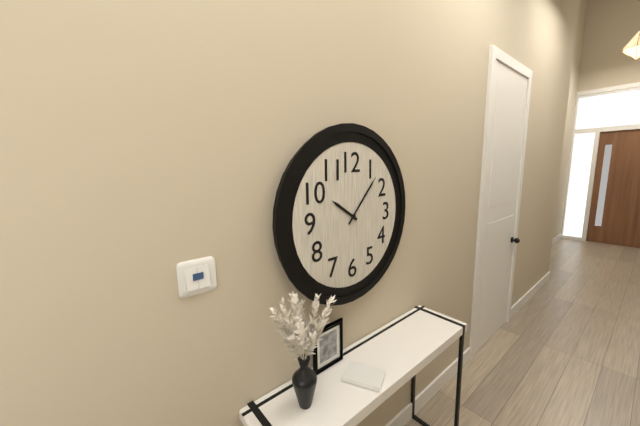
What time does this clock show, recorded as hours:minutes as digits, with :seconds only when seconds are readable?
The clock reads 10:07
